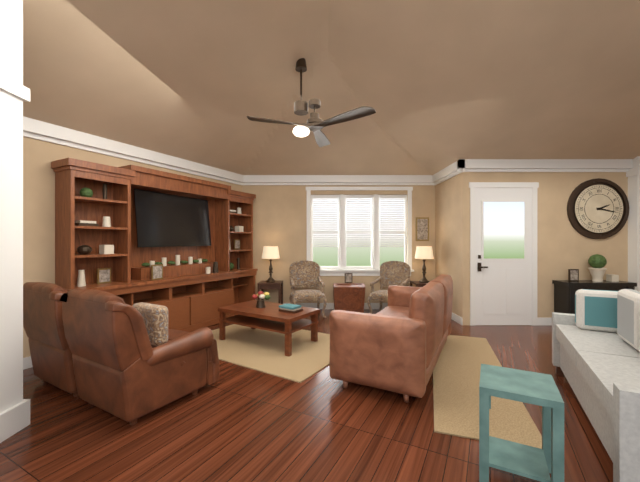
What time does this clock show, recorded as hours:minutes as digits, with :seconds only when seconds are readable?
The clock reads 2:17
